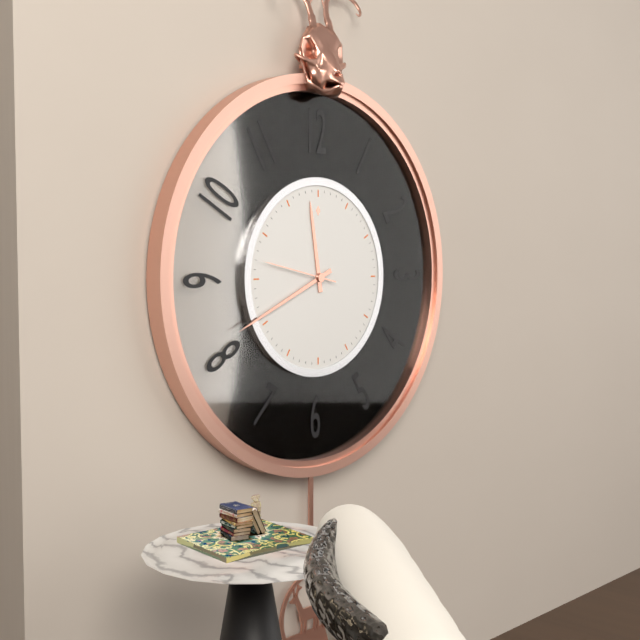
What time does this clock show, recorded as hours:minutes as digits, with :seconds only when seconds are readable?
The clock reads 11:41:47
